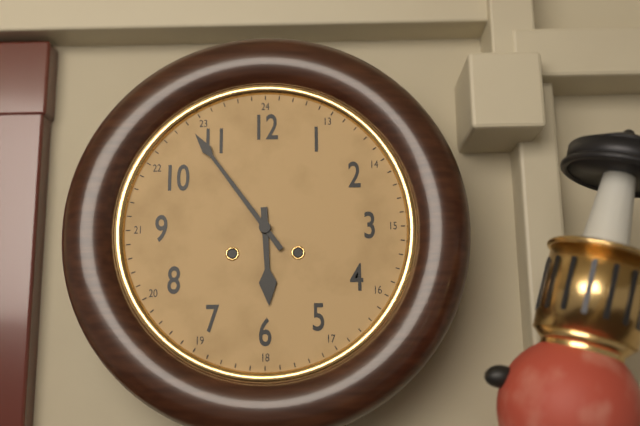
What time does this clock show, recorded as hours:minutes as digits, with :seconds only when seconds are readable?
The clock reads 5:54
